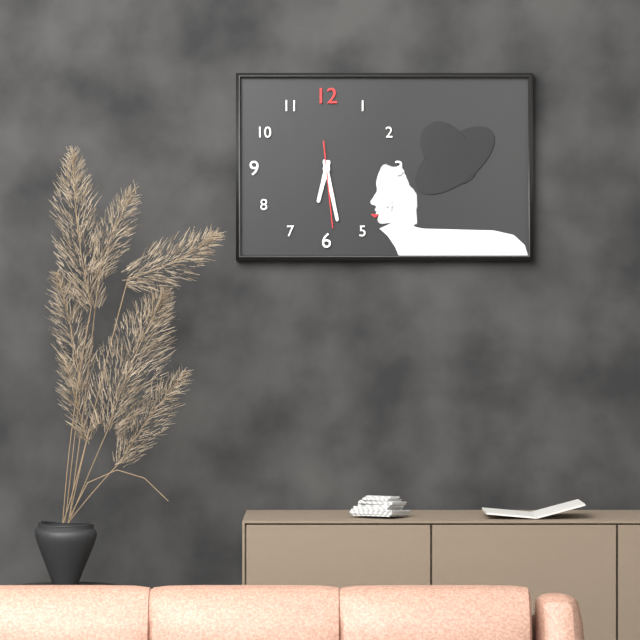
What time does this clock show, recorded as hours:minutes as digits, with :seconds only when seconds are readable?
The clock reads 6:28:29
